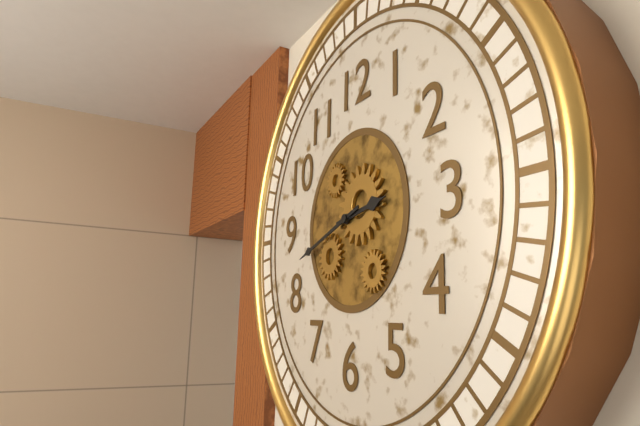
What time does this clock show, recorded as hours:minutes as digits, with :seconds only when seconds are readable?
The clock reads 2:42
